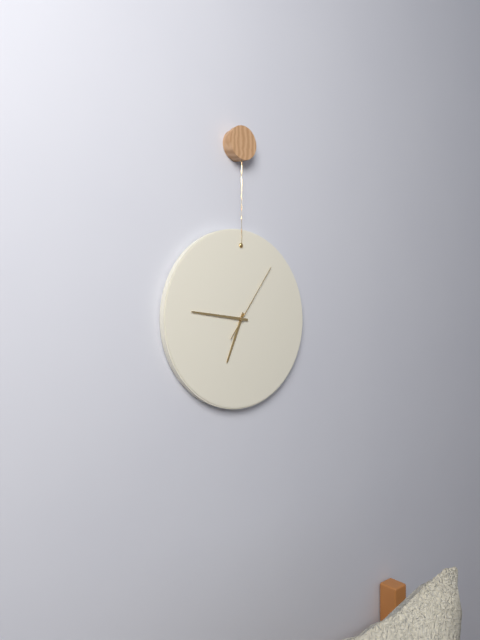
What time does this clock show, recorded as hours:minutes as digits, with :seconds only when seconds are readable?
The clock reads 6:46:06
